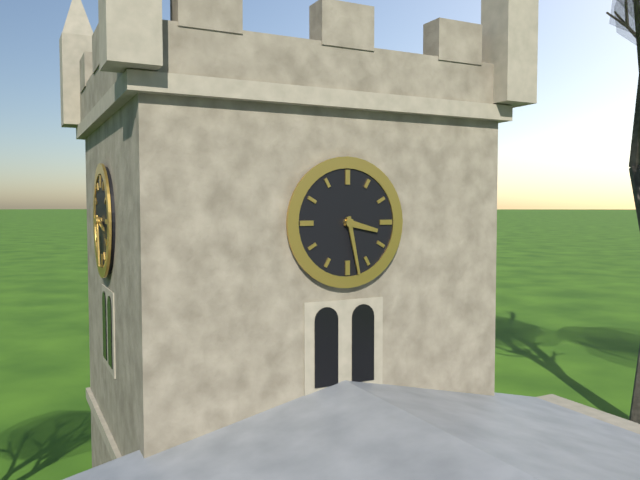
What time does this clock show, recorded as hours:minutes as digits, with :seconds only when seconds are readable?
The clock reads 3:28
